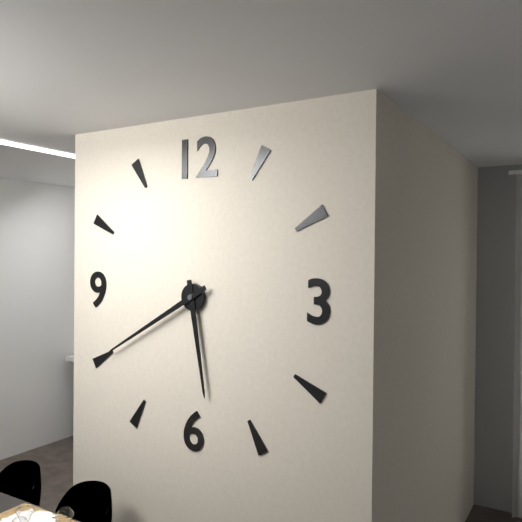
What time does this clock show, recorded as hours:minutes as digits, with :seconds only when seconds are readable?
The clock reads 5:40
